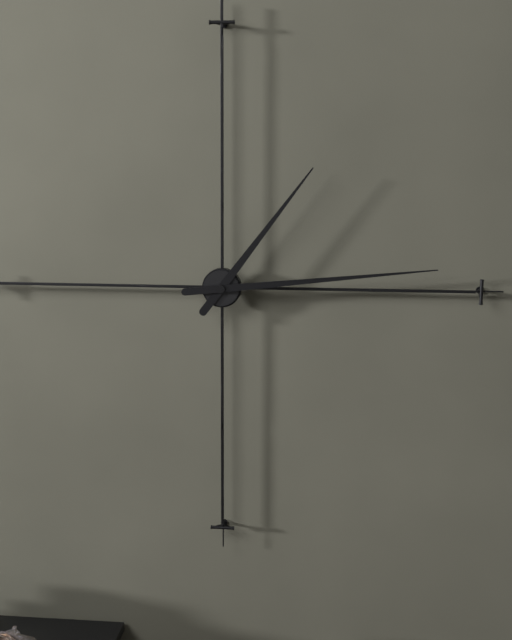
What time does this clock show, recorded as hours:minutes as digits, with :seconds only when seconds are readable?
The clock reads 1:14
